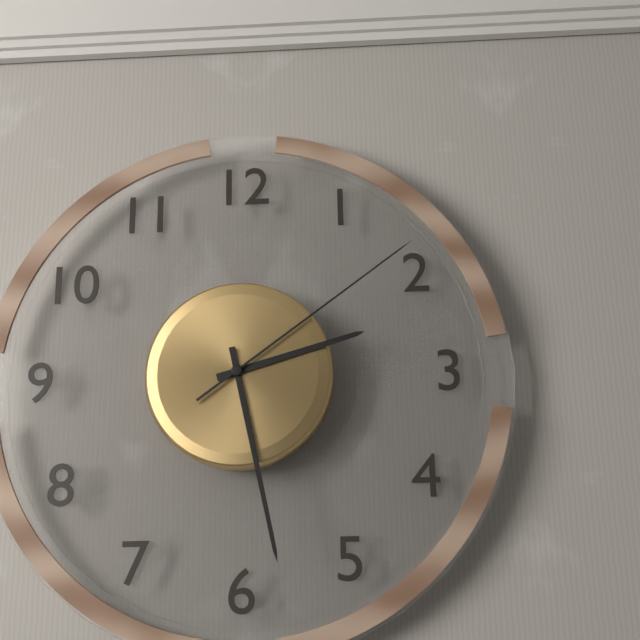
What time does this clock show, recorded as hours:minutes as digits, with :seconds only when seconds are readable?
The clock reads 2:28:09
